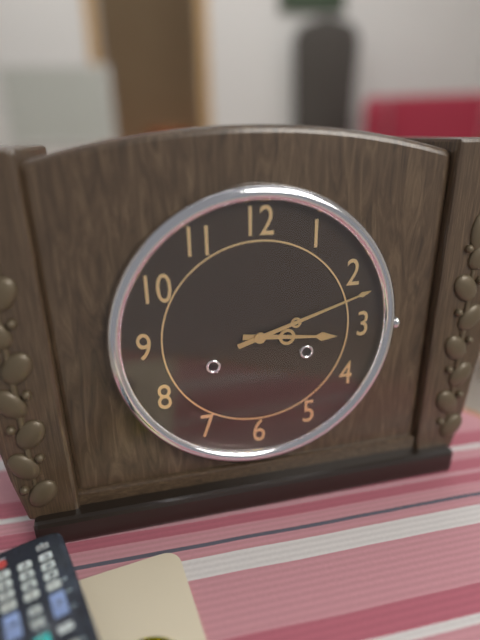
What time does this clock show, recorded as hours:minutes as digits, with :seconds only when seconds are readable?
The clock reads 3:12
